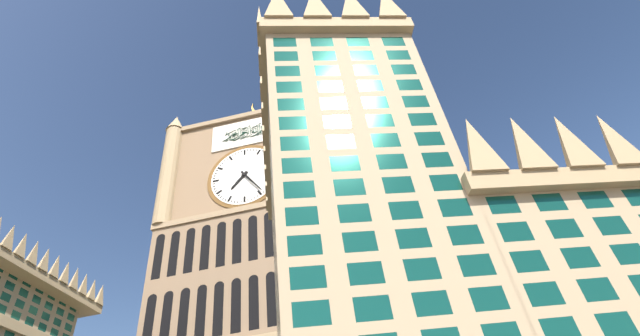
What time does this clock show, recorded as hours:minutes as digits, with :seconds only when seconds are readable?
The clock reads 7:24
